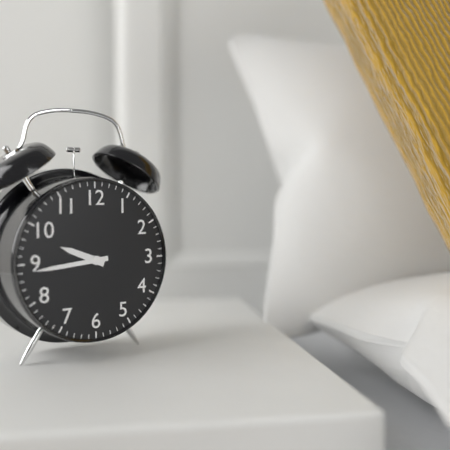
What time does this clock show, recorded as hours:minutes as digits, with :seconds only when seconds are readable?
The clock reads 9:44
